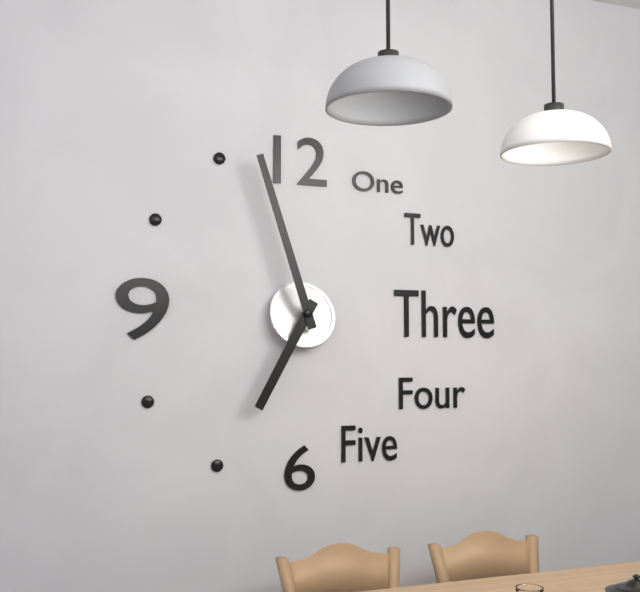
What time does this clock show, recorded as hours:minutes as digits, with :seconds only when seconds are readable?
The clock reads 6:57
